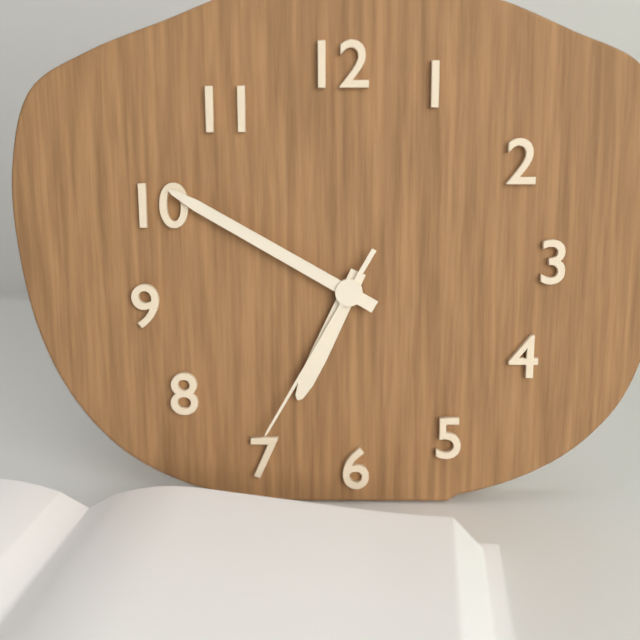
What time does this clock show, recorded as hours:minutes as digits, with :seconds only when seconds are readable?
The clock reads 6:50:35
